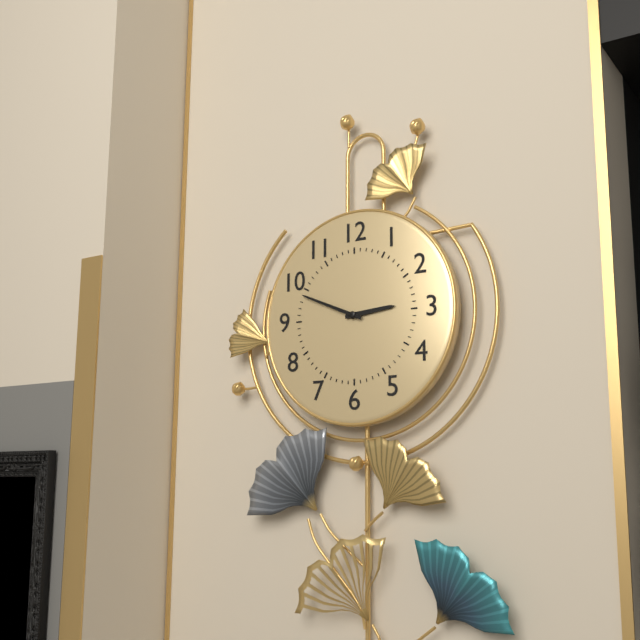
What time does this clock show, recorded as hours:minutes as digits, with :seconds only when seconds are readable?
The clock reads 2:49
